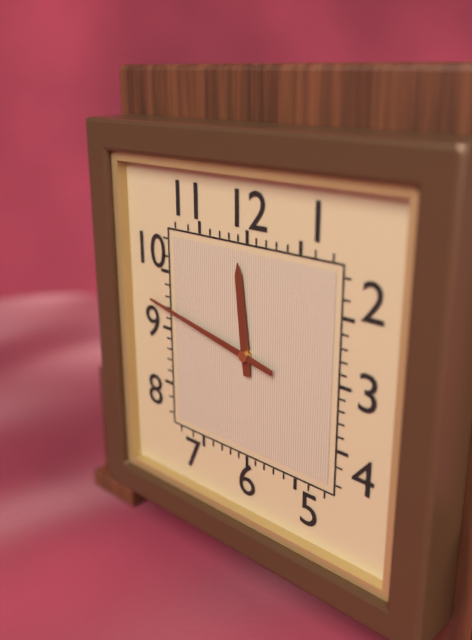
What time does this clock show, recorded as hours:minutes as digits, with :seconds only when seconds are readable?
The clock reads 11:47
